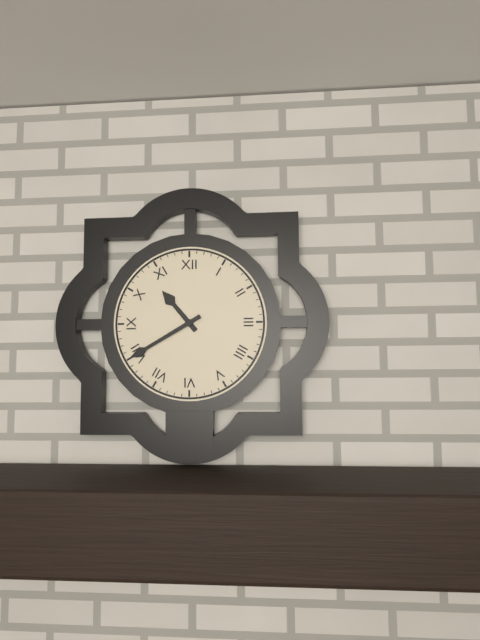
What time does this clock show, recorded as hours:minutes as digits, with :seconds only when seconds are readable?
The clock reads 10:40
